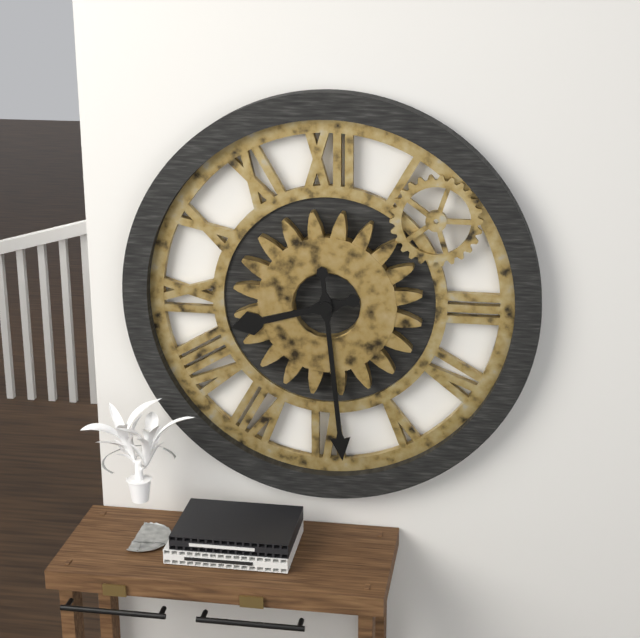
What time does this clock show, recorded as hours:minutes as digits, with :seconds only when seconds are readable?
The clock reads 8:29
